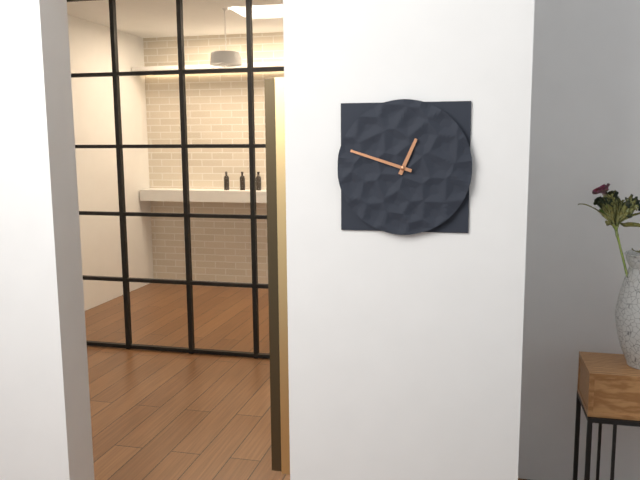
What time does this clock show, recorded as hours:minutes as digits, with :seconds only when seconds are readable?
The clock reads 12:48
